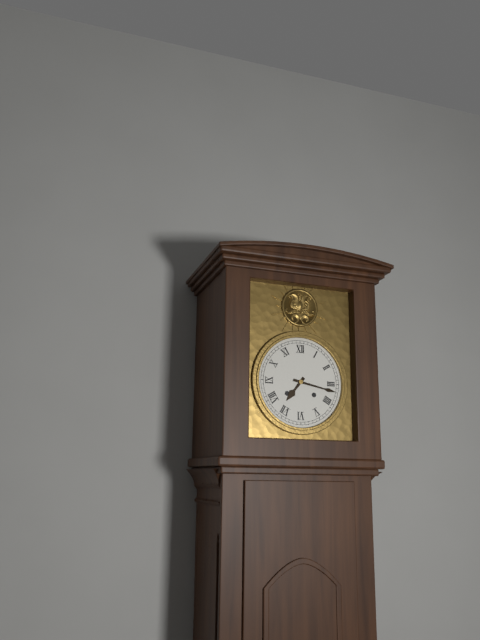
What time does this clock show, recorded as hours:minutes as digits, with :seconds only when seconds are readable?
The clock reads 7:17
